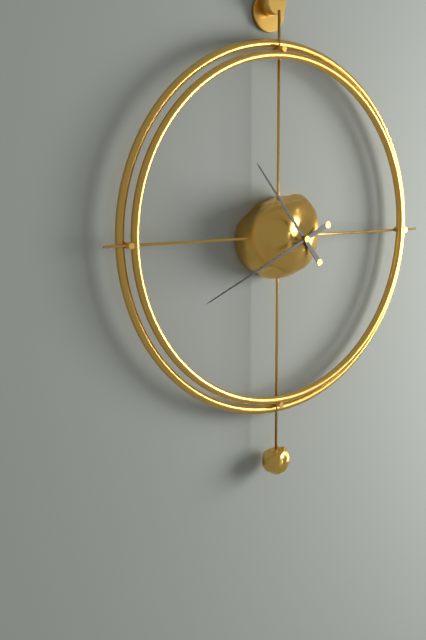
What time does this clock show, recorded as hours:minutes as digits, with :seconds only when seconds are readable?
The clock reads 10:41
